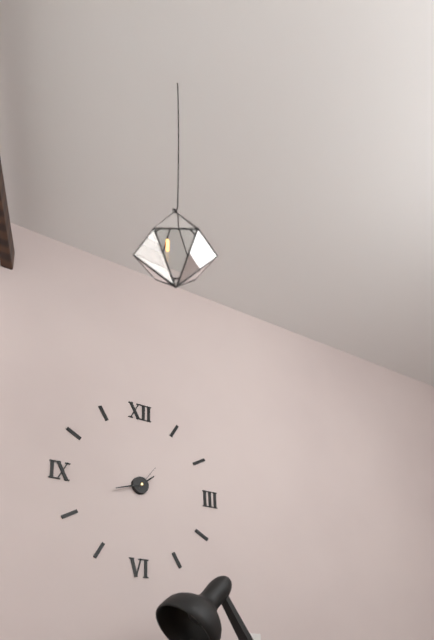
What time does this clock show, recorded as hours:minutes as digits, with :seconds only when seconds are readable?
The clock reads 1:42
